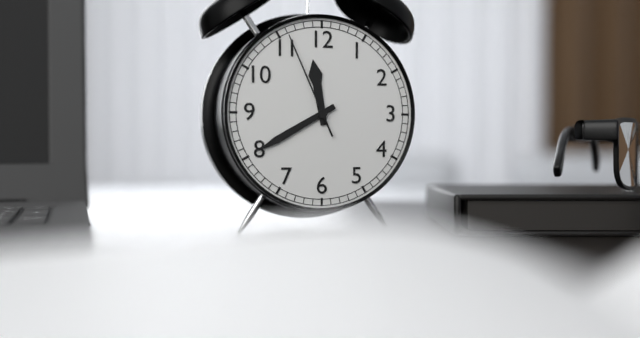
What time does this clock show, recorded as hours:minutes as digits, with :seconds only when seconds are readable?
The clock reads 11:40:56
